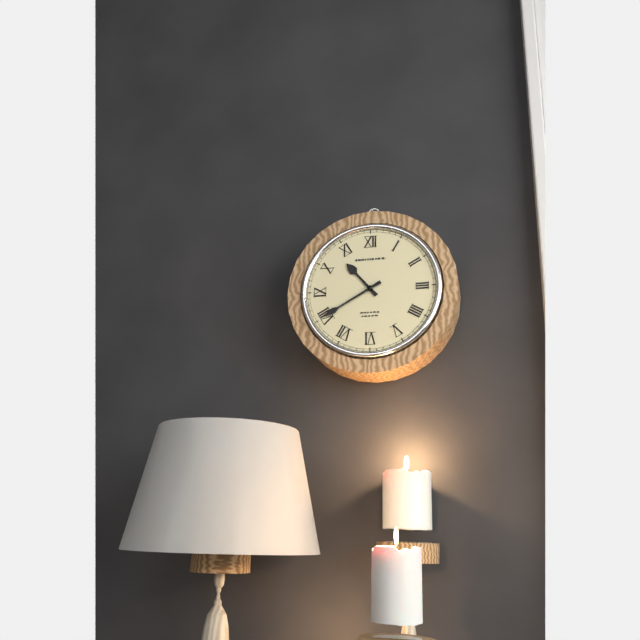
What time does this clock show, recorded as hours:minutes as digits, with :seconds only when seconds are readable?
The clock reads 10:40
